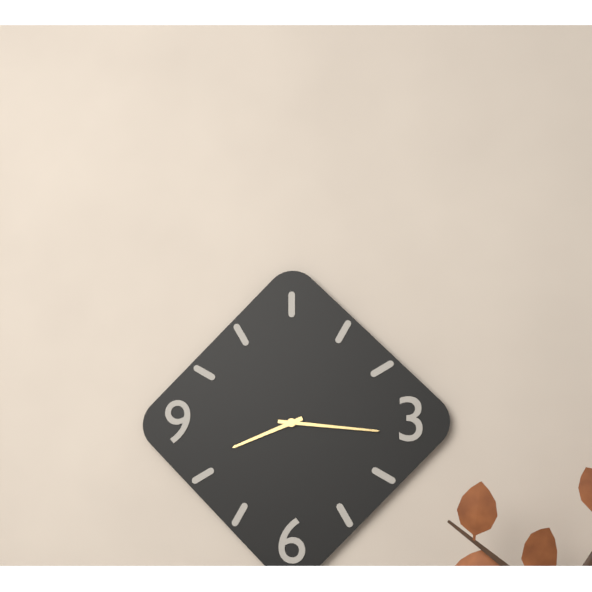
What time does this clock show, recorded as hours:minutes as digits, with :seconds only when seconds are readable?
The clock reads 8:16
